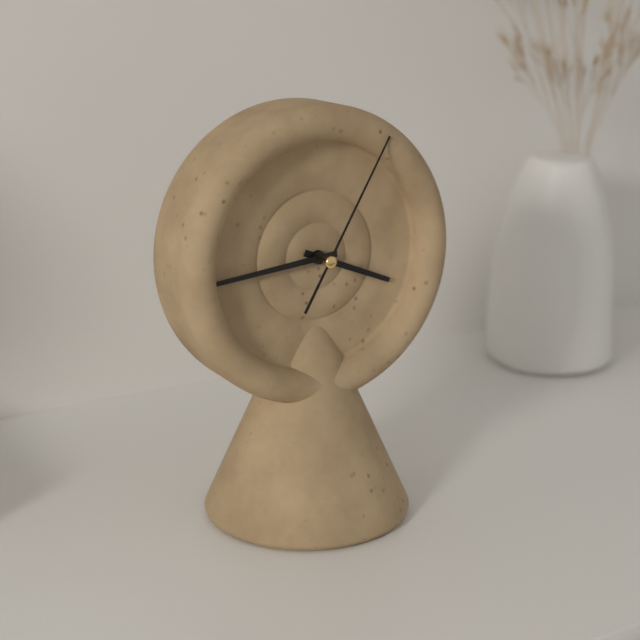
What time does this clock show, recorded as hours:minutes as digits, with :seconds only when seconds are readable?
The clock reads 3:44:05
